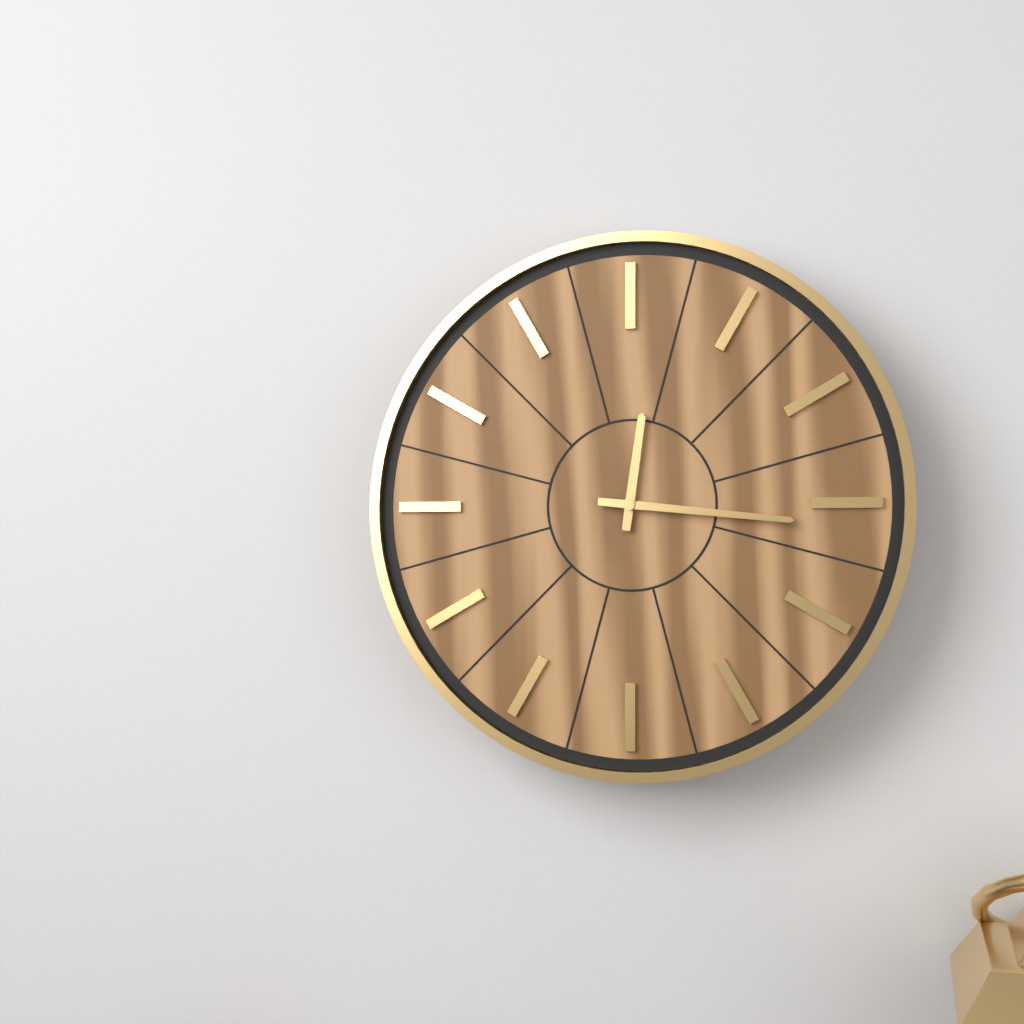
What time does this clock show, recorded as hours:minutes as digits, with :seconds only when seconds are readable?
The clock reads 12:16
